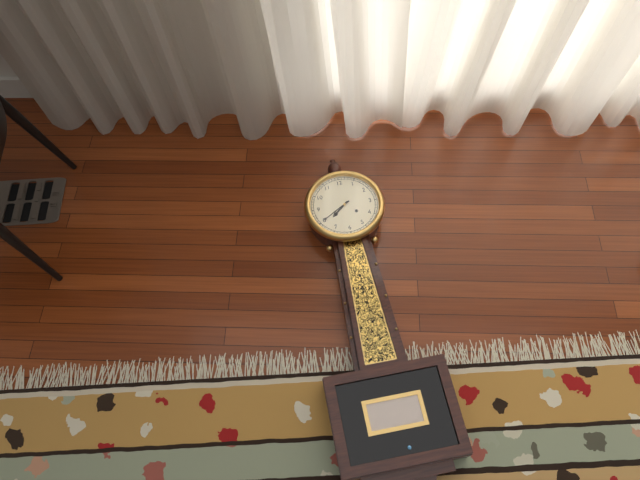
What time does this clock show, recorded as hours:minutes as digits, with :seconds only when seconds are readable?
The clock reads 7:40
